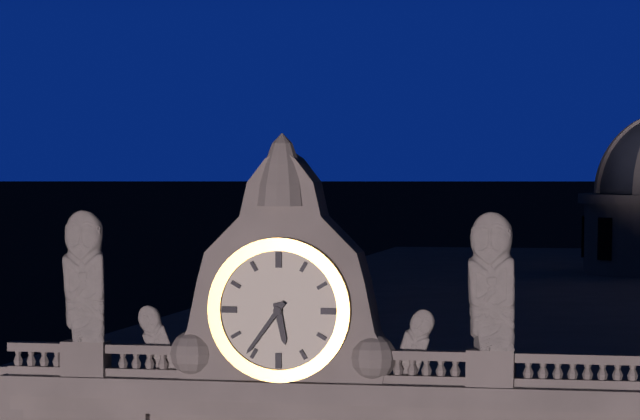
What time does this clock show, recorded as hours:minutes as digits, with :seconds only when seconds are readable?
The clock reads 5:36
